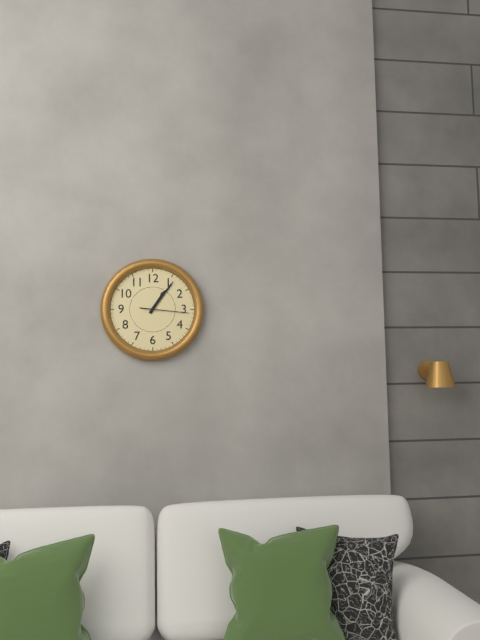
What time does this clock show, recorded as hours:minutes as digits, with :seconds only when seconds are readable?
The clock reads 1:06
